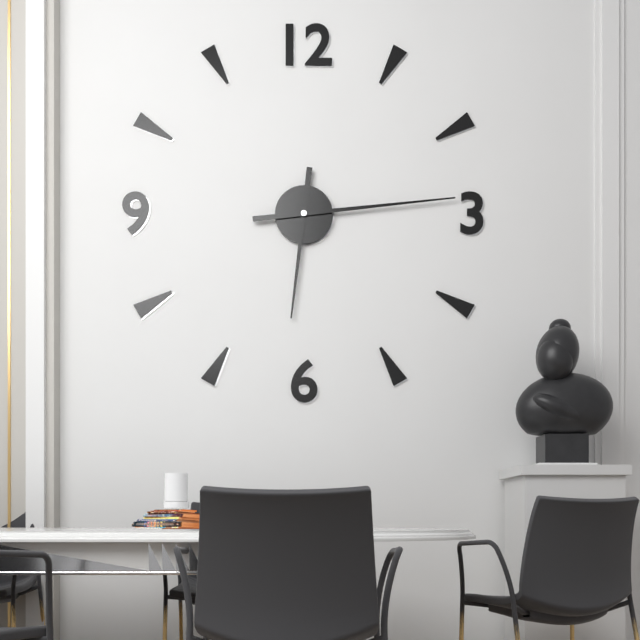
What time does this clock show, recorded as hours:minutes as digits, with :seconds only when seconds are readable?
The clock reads 6:14
